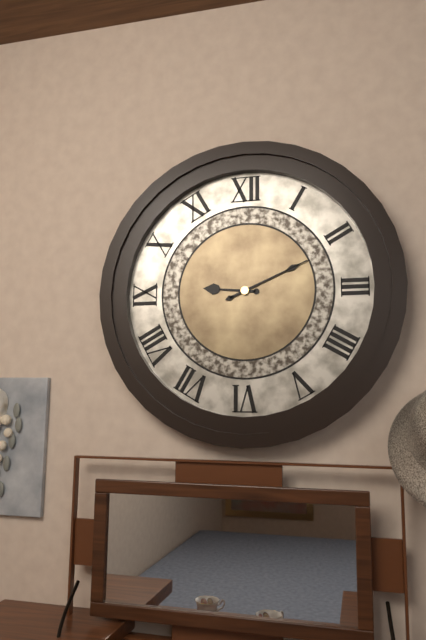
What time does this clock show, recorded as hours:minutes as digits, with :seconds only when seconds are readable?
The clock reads 9:11
